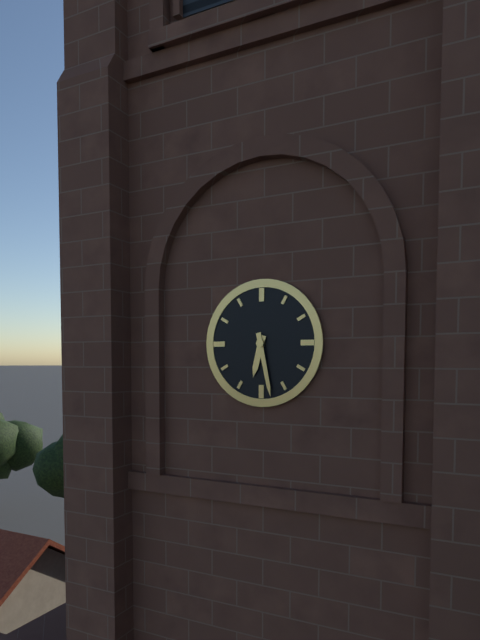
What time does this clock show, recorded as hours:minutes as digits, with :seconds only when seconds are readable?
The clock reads 6:28
